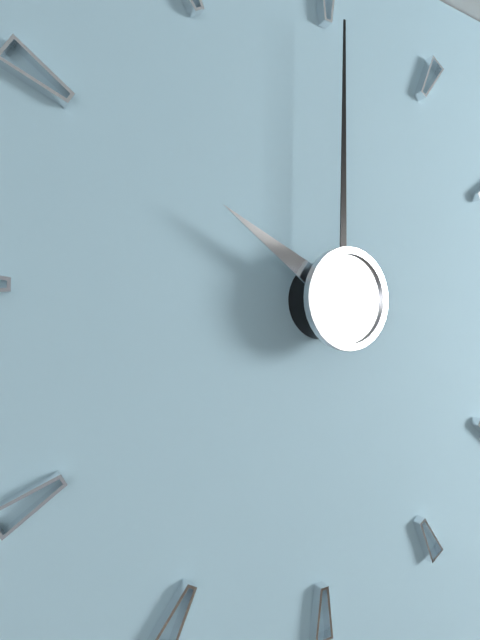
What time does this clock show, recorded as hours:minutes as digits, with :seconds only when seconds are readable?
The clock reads 10:00
